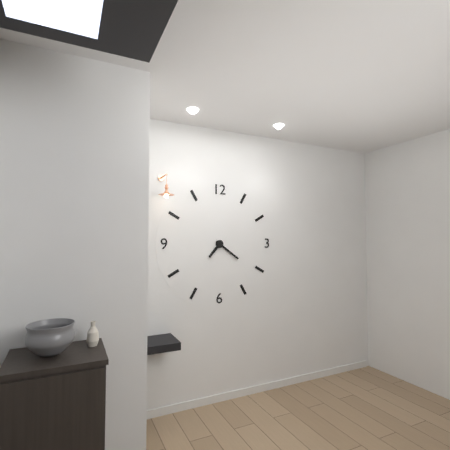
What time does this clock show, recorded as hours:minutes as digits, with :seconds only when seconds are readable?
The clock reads 7:21
